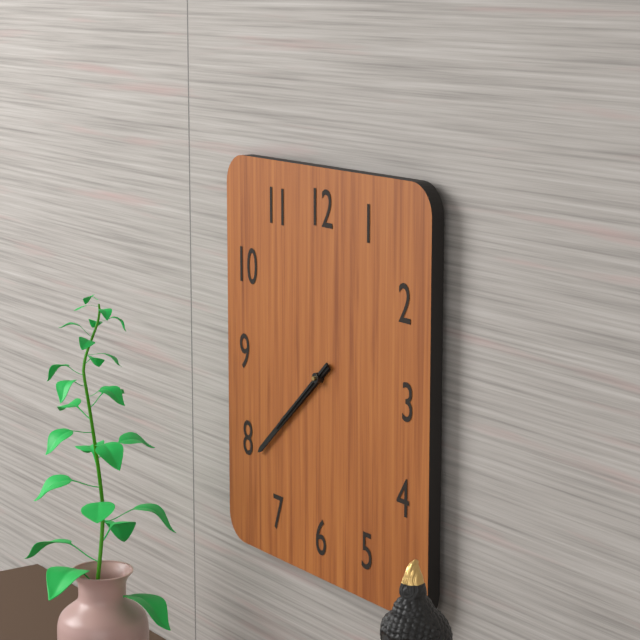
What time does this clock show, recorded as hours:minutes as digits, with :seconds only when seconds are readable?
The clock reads 7:38:38
